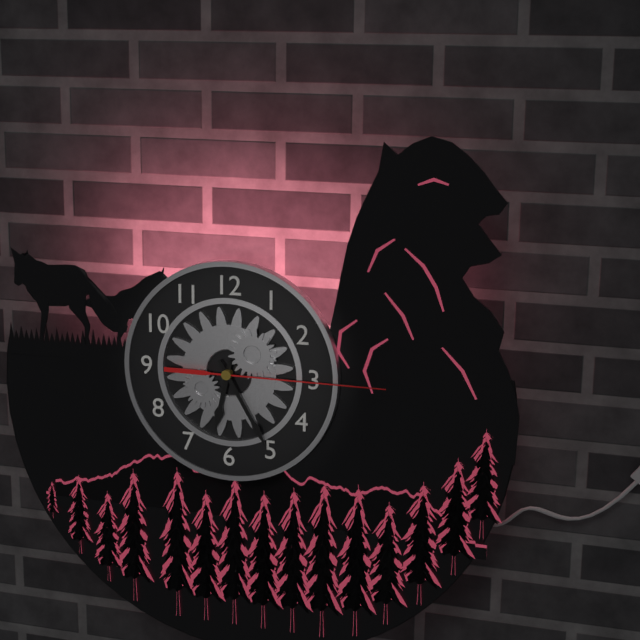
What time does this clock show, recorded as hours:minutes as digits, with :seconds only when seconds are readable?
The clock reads 6:25:15
